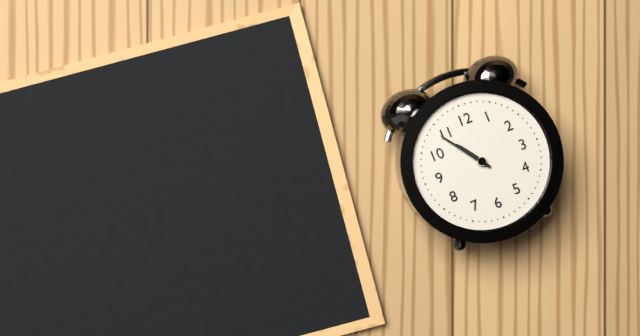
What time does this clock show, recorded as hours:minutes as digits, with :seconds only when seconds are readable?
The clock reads 10:54
